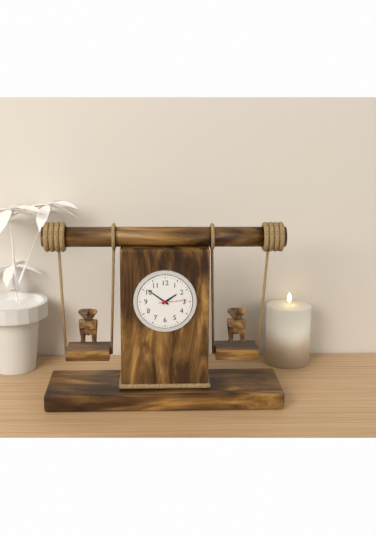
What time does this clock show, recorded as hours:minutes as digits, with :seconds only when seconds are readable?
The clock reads 1:51
